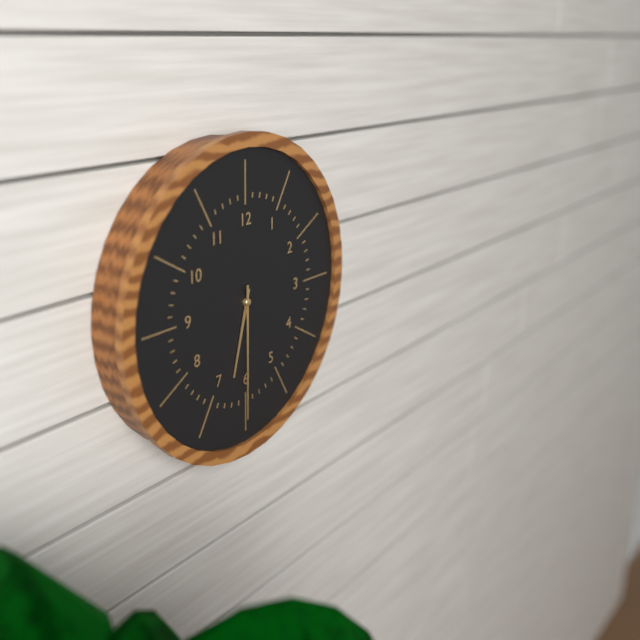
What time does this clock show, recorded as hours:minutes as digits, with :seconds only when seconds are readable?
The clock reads 6:30
